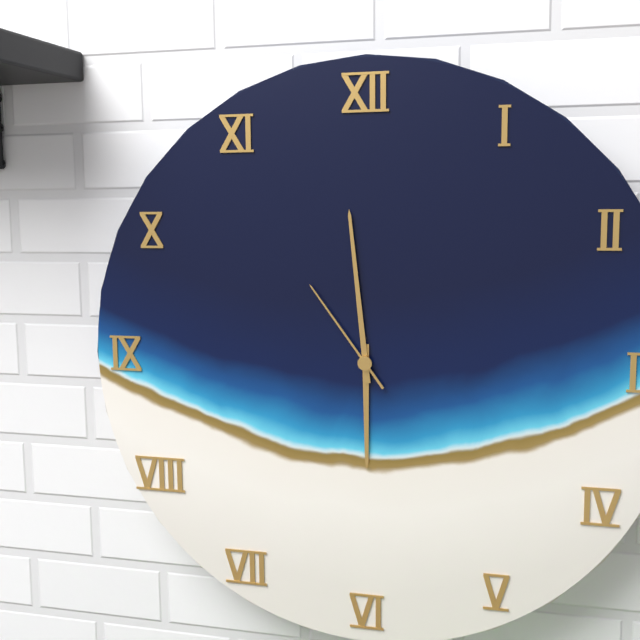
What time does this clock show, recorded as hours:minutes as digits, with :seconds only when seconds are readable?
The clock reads 5:59:54
